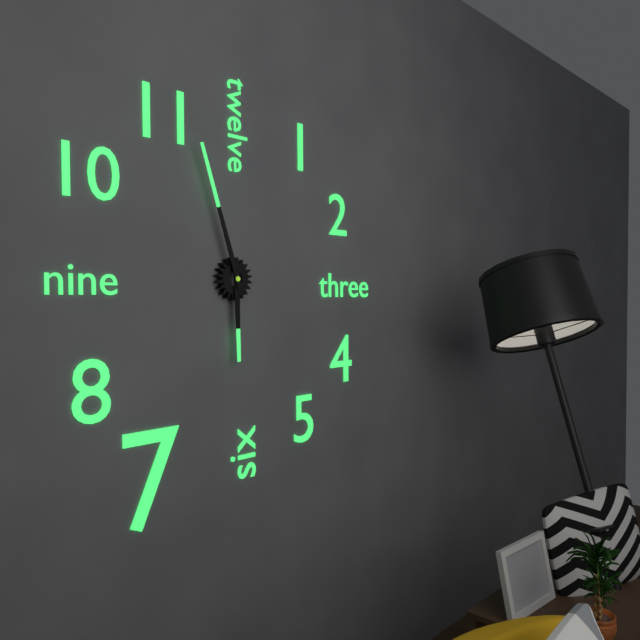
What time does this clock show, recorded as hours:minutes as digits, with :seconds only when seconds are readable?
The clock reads 5:57
